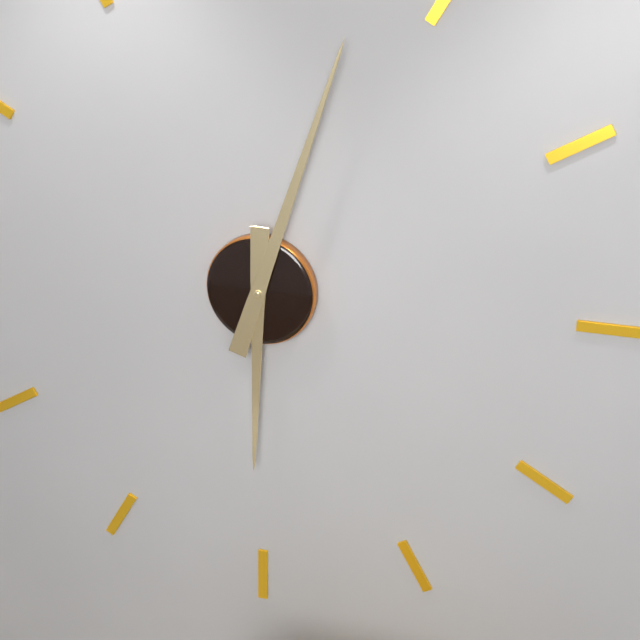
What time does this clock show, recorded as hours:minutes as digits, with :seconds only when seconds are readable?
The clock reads 6:03
